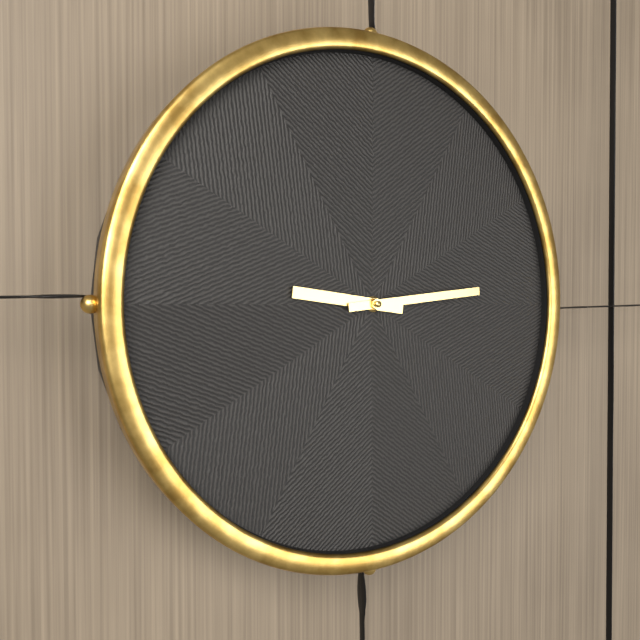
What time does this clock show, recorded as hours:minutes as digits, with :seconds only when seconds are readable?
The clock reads 9:14
